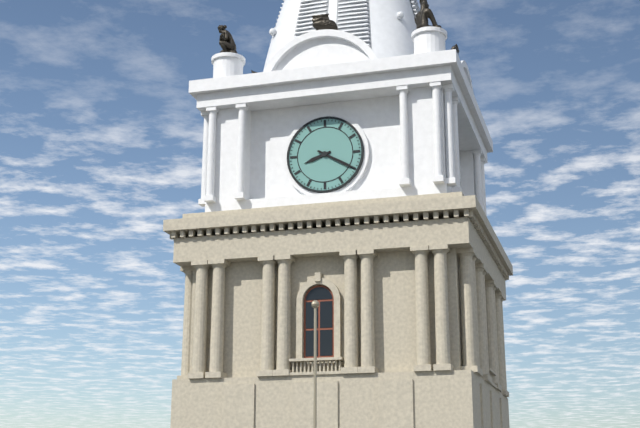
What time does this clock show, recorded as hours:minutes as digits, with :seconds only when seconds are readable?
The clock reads 8:20
